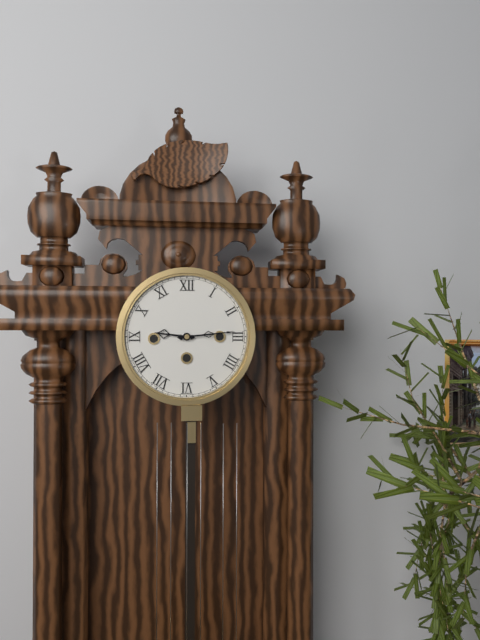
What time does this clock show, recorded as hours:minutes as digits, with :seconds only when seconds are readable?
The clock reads 9:14
